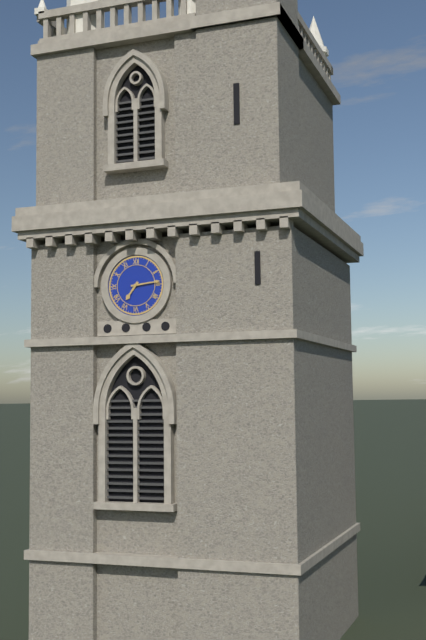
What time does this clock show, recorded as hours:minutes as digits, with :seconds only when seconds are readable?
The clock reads 7:14
